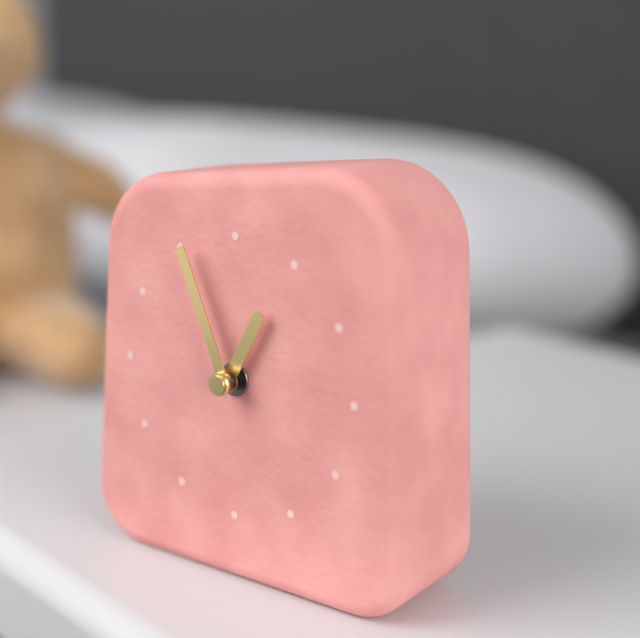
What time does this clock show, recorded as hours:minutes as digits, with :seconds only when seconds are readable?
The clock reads 12:56
